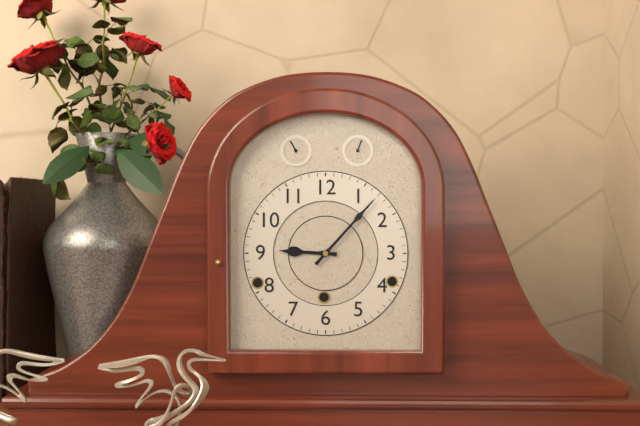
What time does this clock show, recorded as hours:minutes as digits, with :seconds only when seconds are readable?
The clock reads 9:07
